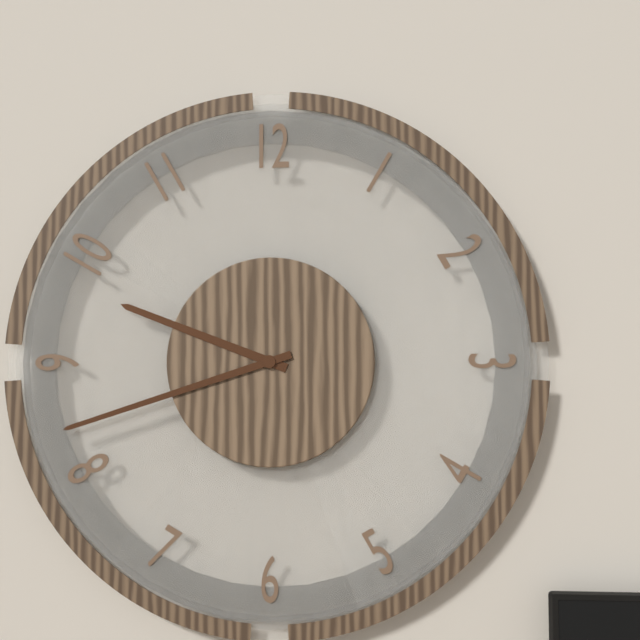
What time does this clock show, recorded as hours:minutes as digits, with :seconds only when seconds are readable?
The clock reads 9:42
